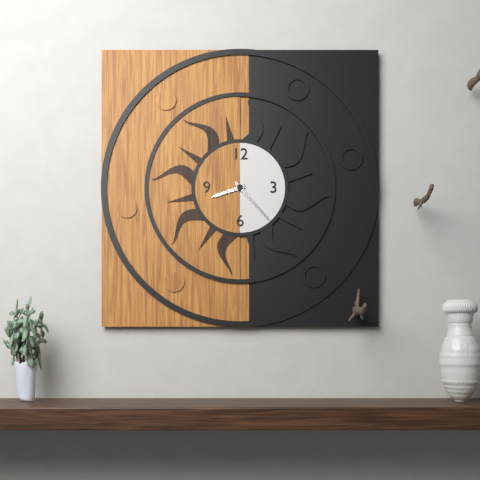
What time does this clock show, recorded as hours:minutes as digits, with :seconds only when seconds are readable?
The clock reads 8:23
